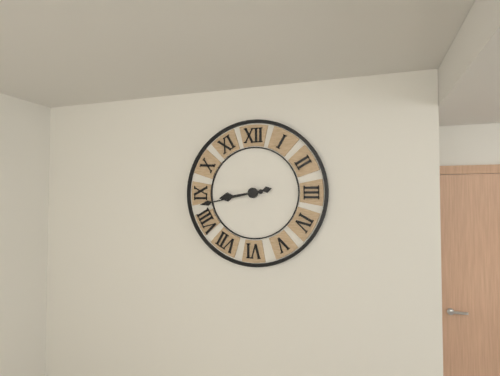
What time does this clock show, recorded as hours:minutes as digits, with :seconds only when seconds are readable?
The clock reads 8:43
